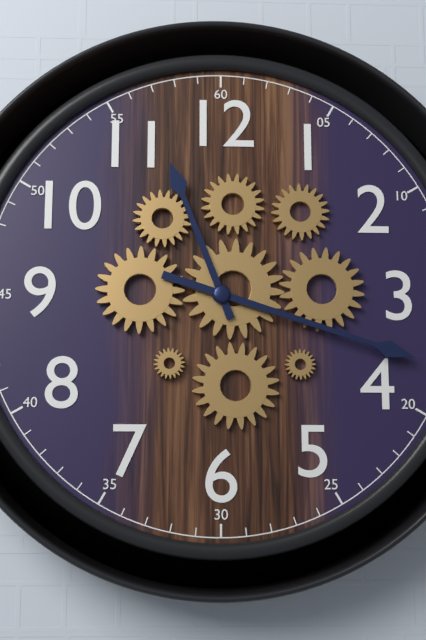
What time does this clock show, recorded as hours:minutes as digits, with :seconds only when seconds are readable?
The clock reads 11:18
